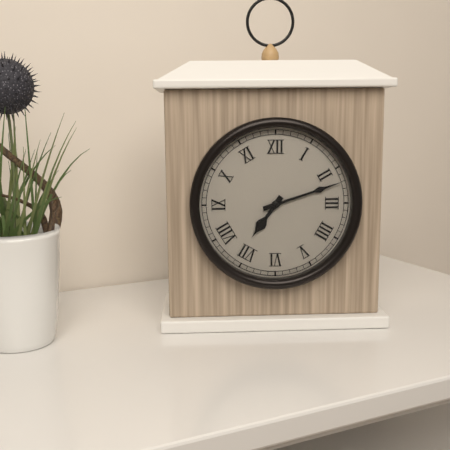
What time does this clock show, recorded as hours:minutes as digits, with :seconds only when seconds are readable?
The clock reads 7:12
